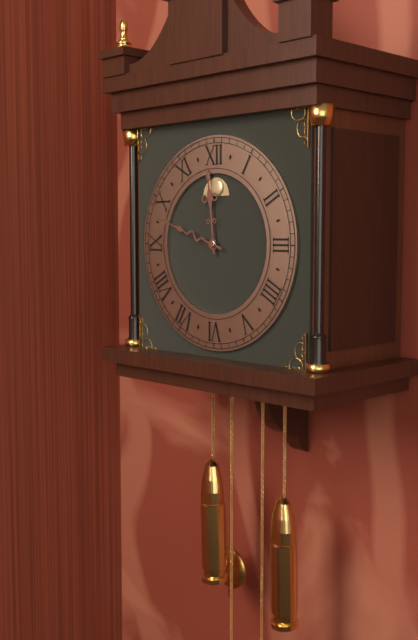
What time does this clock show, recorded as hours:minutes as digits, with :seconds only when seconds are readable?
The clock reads 11:48
